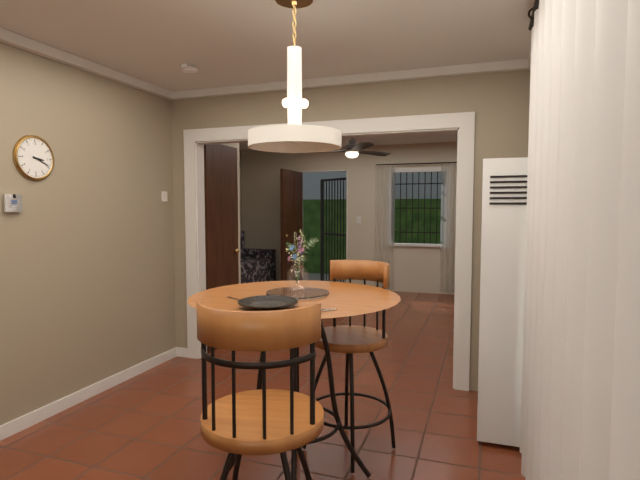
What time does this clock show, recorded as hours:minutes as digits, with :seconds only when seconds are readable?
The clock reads 3:19
